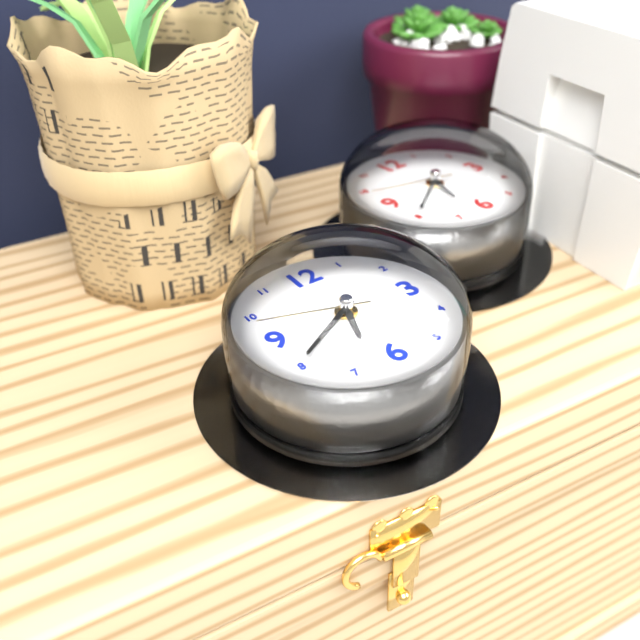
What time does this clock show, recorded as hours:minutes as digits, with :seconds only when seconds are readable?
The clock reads 6:40:48
